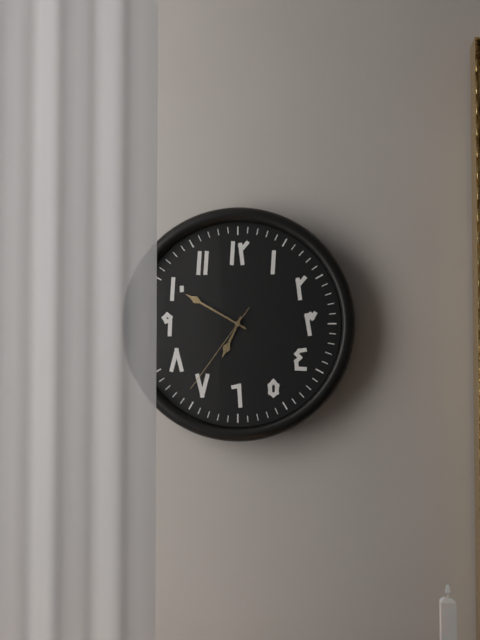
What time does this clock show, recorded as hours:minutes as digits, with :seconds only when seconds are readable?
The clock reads 6:50:36
